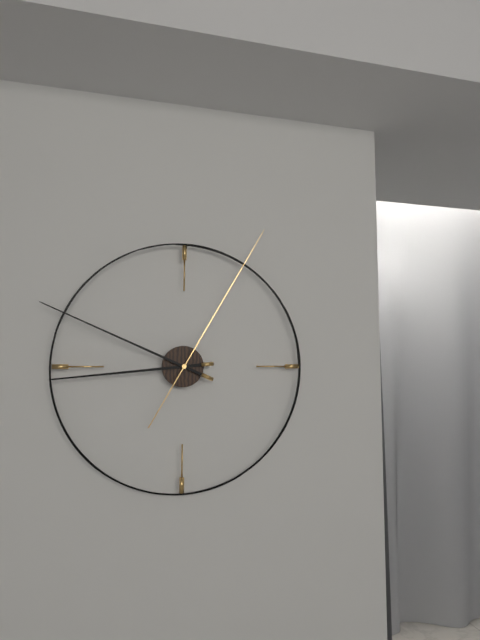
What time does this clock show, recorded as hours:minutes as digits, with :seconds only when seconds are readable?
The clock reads 8:49:05
